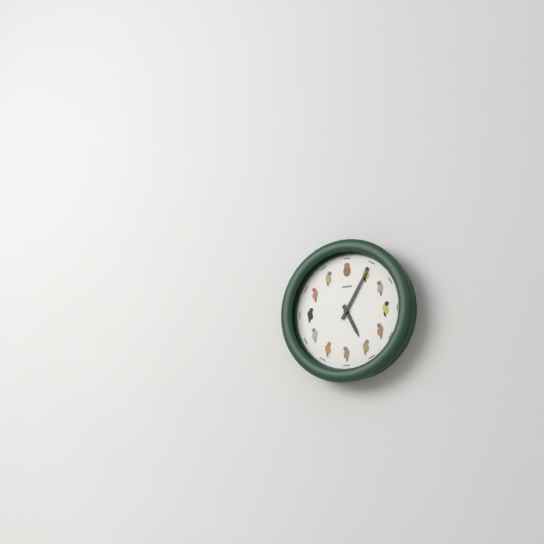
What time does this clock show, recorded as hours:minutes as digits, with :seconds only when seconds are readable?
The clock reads 5:05
